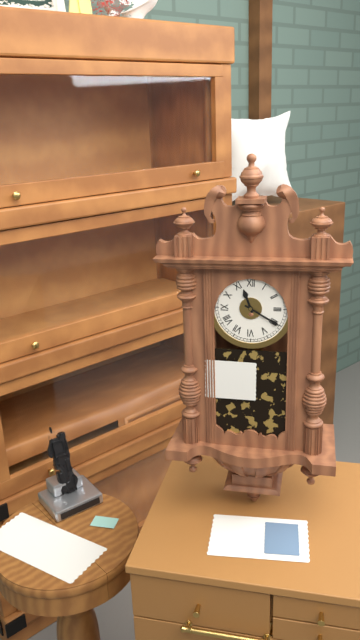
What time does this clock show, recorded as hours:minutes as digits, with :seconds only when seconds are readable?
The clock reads 11:20
